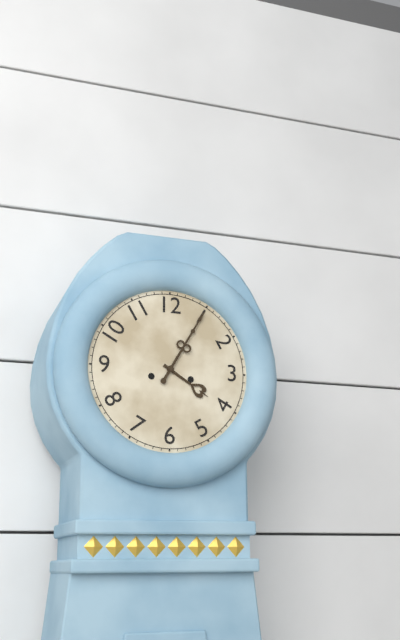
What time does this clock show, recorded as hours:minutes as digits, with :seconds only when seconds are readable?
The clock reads 4:05
